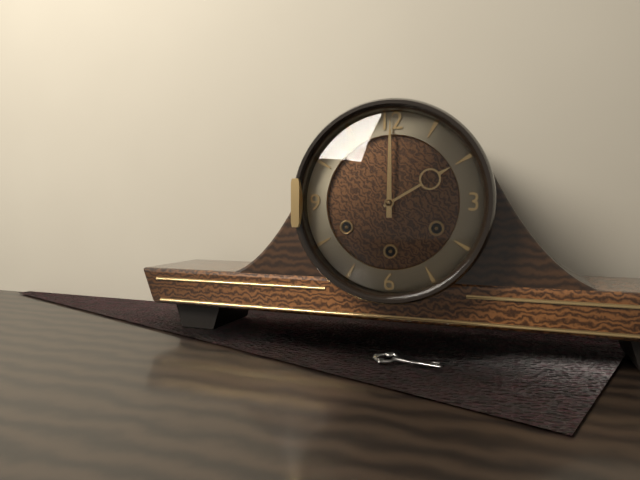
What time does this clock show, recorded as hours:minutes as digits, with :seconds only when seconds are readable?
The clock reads 2:00
